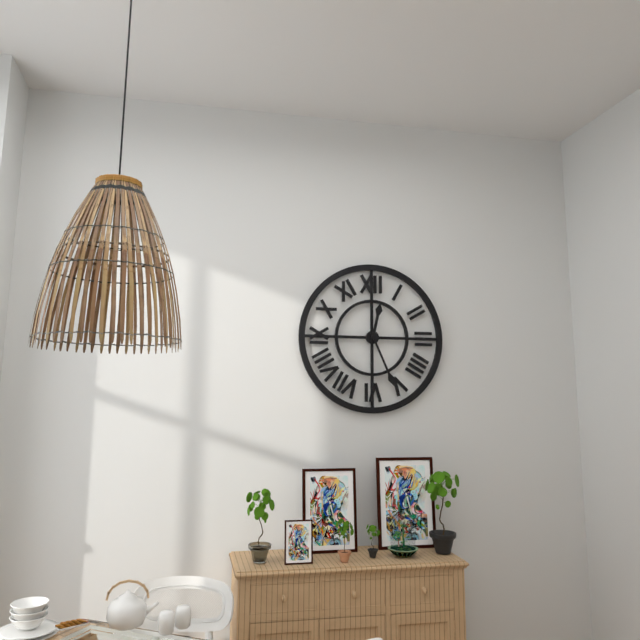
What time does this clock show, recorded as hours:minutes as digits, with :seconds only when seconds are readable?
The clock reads 12:26
